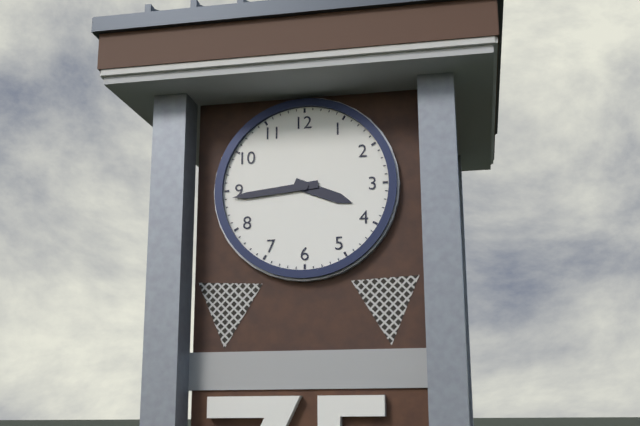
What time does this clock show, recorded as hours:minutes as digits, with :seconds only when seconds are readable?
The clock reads 3:44
